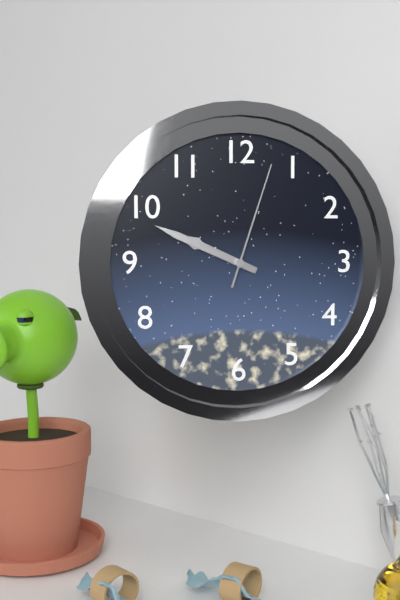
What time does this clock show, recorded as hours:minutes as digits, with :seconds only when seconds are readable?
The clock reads 9:49:03
